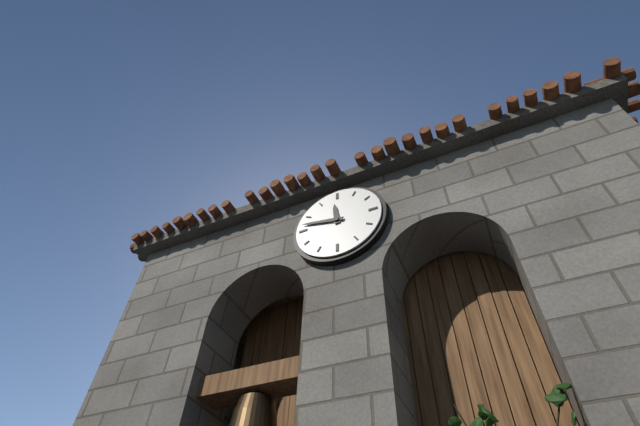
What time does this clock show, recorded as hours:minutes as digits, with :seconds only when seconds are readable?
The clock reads 11:47
